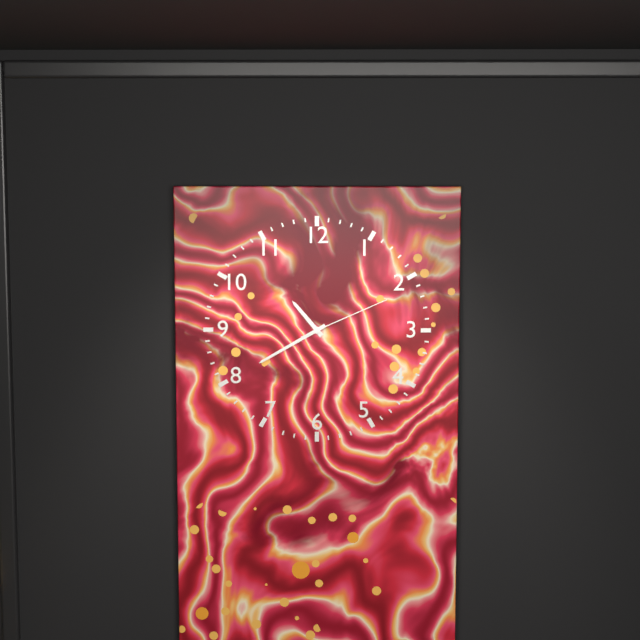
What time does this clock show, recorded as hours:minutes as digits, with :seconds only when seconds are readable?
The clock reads 10:40:11
